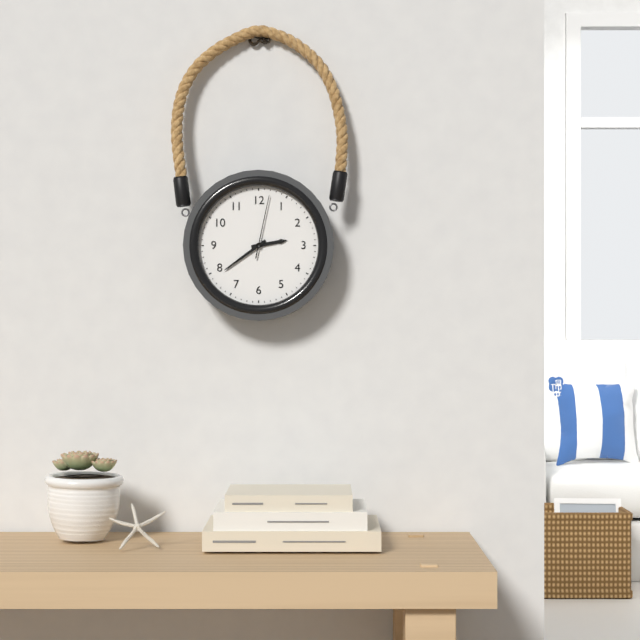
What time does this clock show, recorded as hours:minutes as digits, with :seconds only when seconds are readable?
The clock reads 2:39:02
